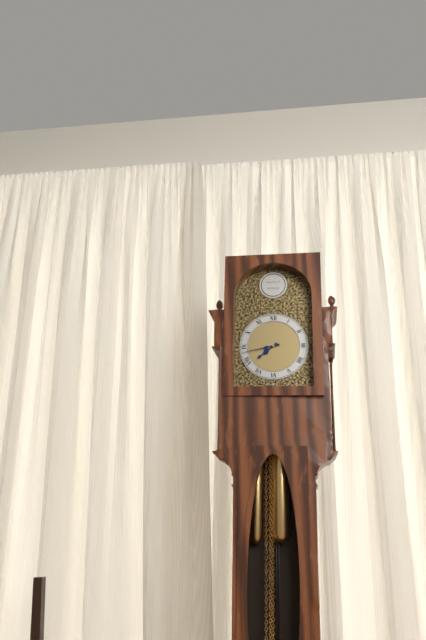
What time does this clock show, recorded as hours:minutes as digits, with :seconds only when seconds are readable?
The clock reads 7:43
